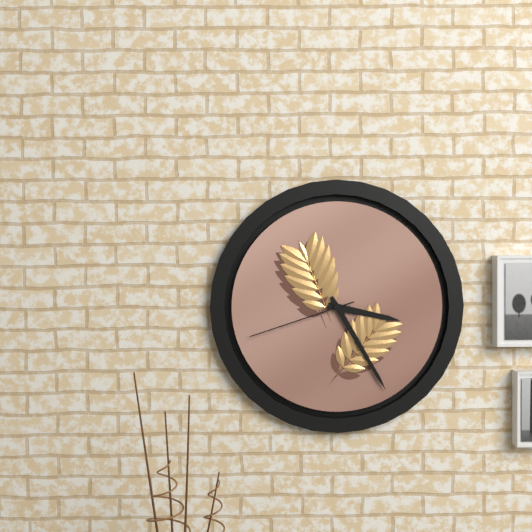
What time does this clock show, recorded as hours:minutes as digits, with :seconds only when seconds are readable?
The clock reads 3:25:42
